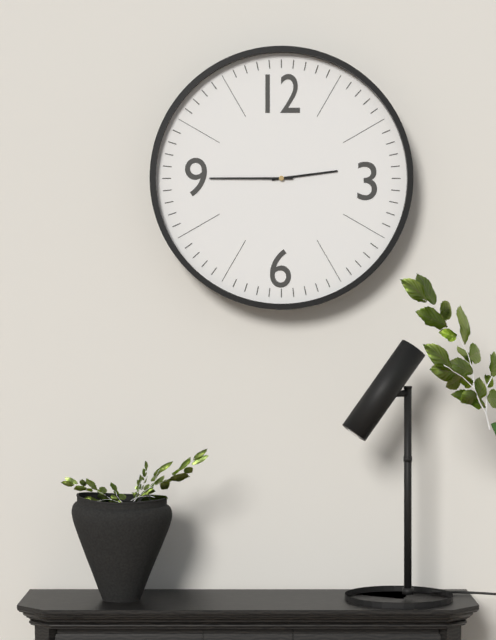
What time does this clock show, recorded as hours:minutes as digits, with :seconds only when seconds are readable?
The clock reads 2:45
